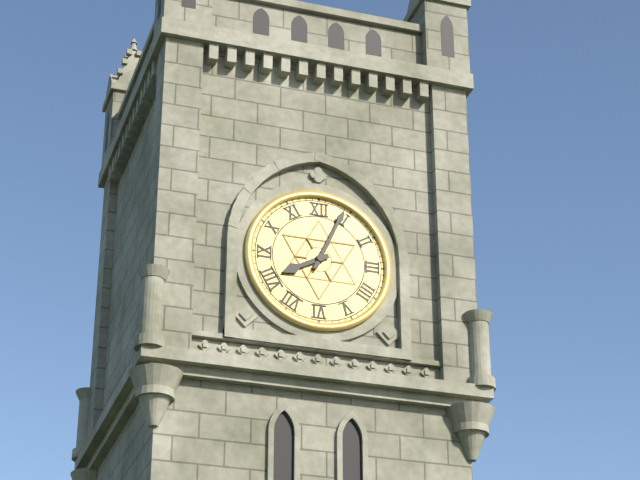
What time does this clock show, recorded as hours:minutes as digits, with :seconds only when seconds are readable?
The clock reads 8:04
